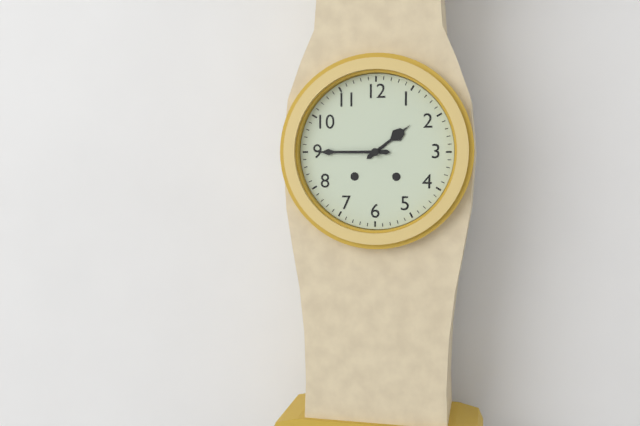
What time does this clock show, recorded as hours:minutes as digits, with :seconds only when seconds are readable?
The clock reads 1:45
